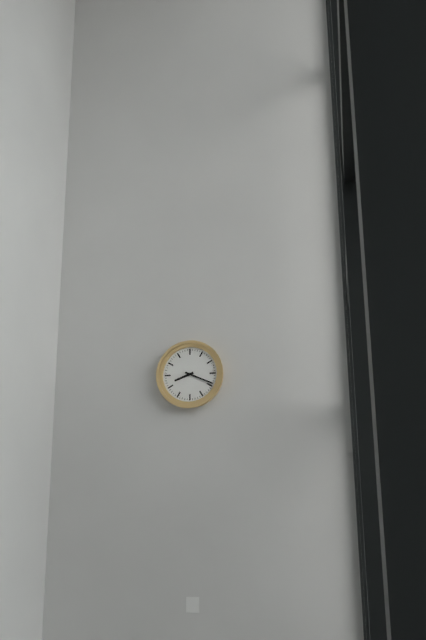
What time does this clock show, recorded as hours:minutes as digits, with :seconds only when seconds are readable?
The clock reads 8:19
